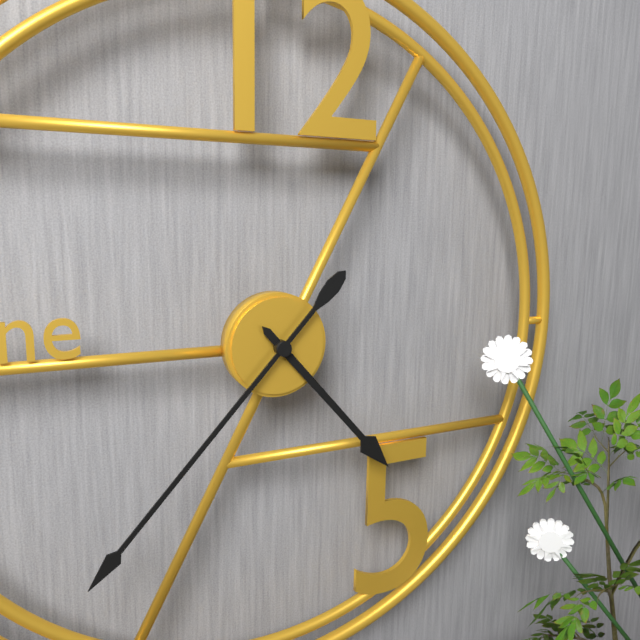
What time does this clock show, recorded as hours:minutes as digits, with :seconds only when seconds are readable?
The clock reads 4:37
